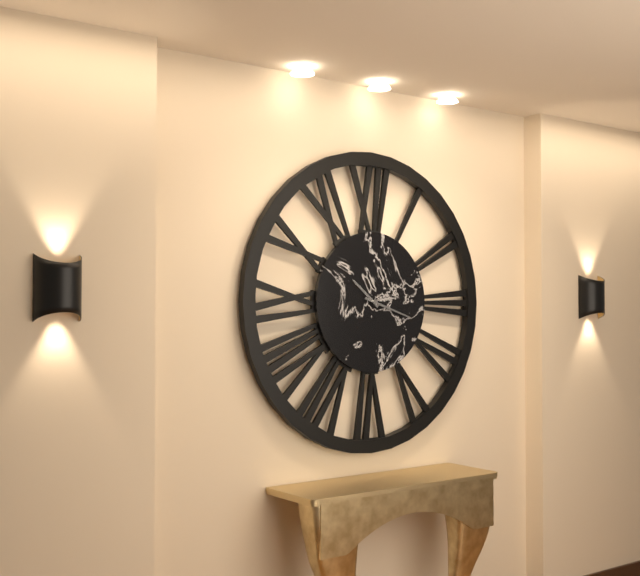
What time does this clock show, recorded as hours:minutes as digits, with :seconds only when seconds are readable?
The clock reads 10:18
